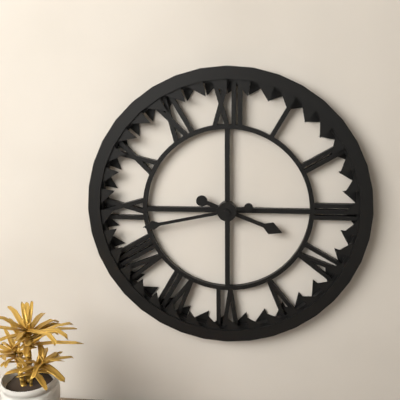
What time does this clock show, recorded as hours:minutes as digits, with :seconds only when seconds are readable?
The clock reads 3:43
